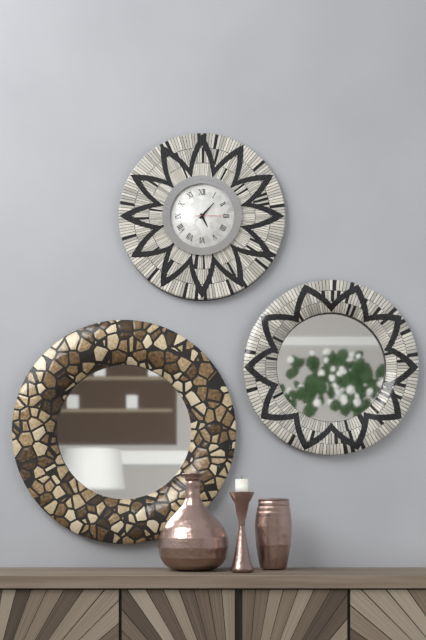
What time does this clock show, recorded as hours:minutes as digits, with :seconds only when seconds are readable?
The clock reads 5:07
